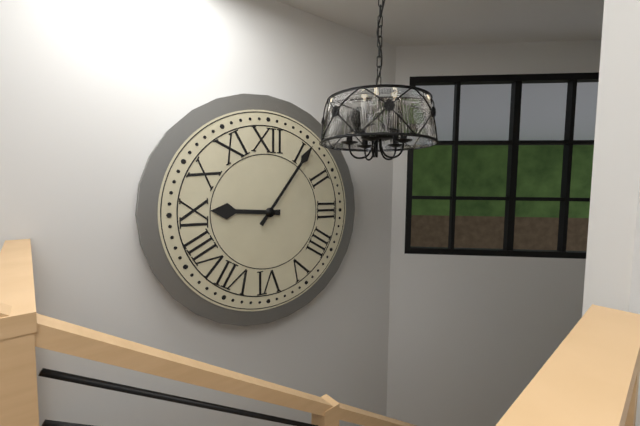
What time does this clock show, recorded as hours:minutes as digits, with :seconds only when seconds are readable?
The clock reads 9:06
